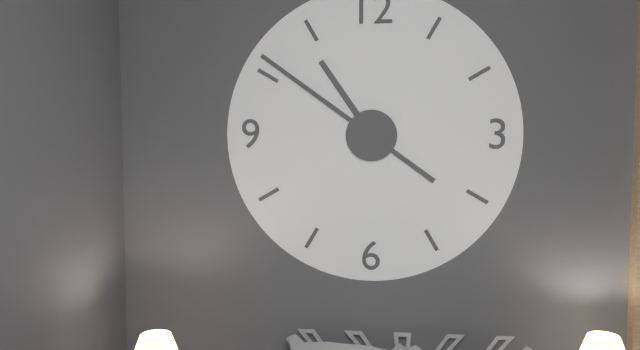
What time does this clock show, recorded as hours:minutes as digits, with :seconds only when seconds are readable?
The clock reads 10:51
